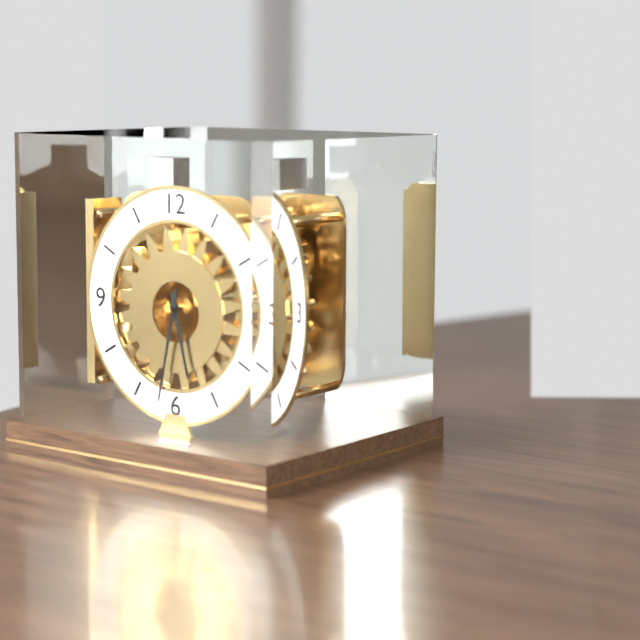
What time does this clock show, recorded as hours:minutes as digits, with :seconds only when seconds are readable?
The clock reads 5:32
